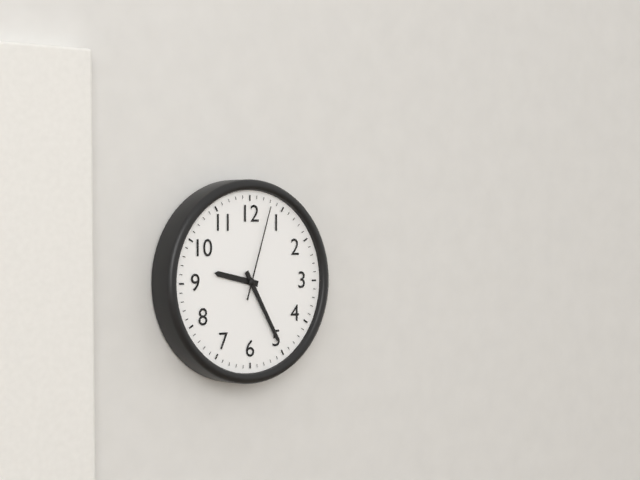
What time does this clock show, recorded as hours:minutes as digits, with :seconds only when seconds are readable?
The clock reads 9:25:03
